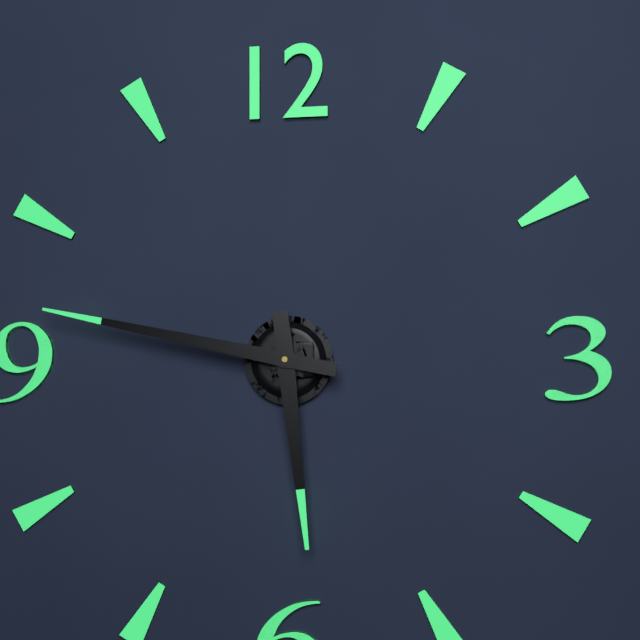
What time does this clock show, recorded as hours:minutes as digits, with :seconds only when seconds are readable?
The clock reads 5:47
